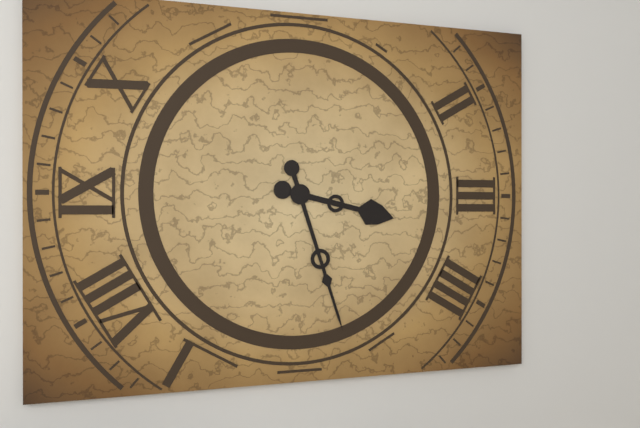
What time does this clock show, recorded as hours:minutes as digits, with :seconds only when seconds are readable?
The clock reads 3:27
